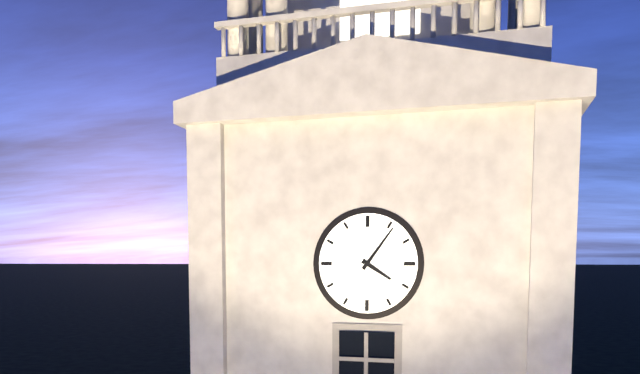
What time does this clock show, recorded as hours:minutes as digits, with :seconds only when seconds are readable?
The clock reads 4:06
